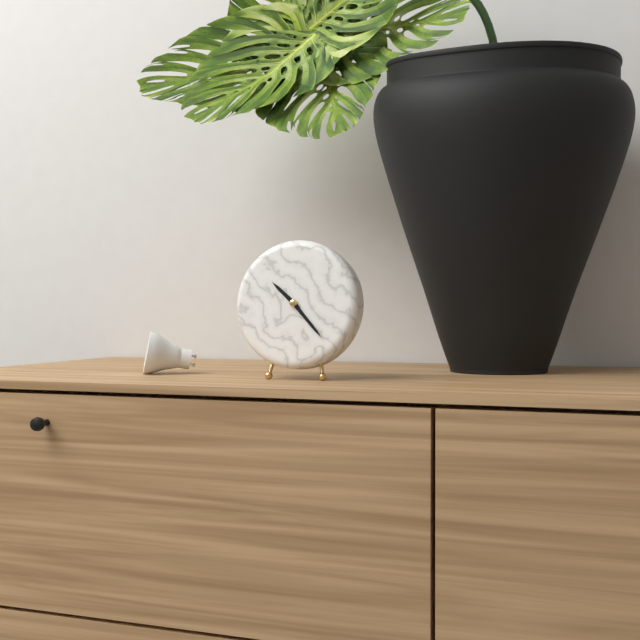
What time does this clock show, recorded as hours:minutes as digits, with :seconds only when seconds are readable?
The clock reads 10:23
